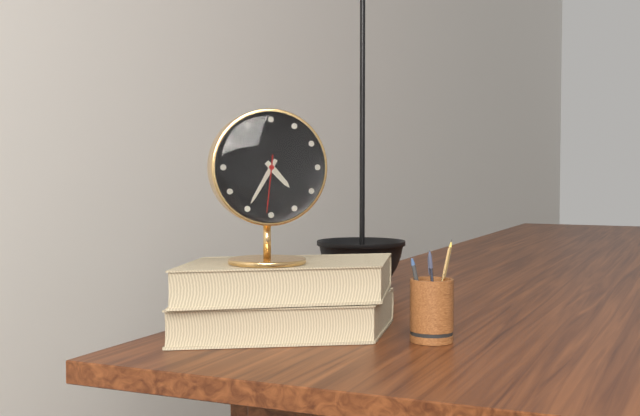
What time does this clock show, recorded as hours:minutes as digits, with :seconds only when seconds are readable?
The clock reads 4:35:31
